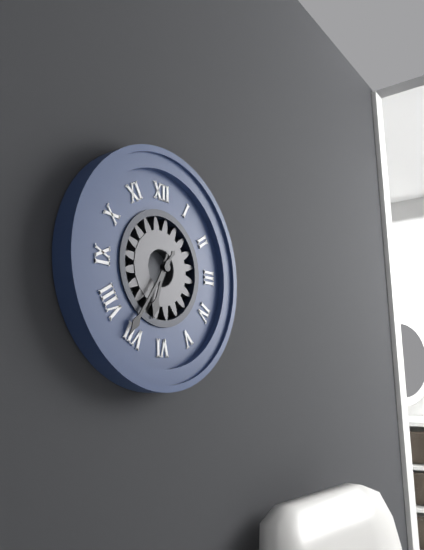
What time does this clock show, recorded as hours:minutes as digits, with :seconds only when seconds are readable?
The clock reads 6:36
